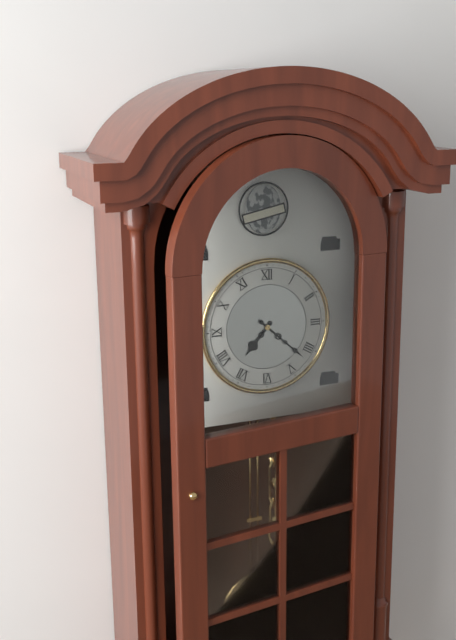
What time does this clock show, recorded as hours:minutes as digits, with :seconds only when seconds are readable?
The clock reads 7:22
